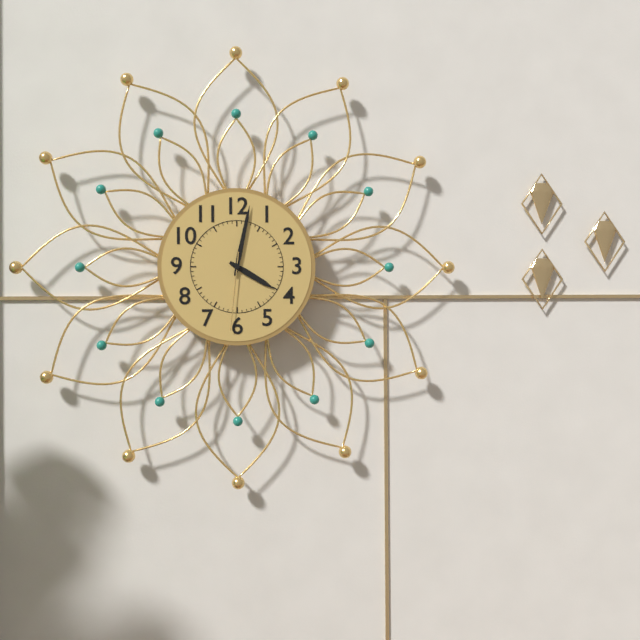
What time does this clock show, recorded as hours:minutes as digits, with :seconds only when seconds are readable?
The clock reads 4:02:31
